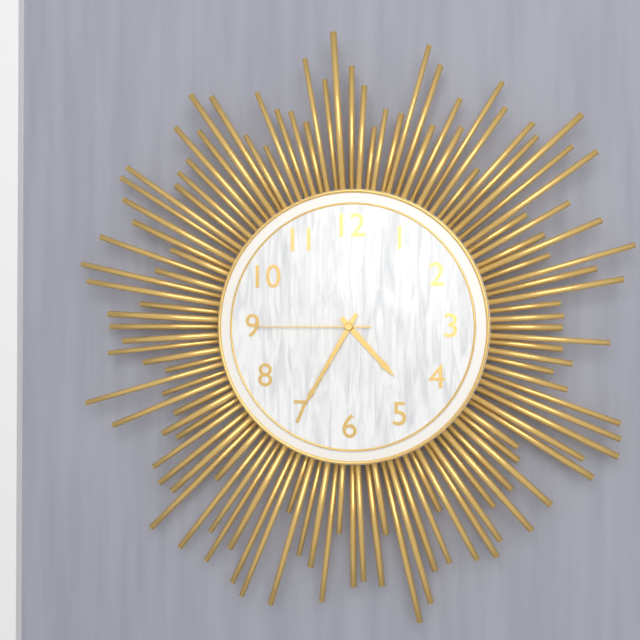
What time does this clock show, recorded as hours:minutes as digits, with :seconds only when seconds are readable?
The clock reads 4:35:45
